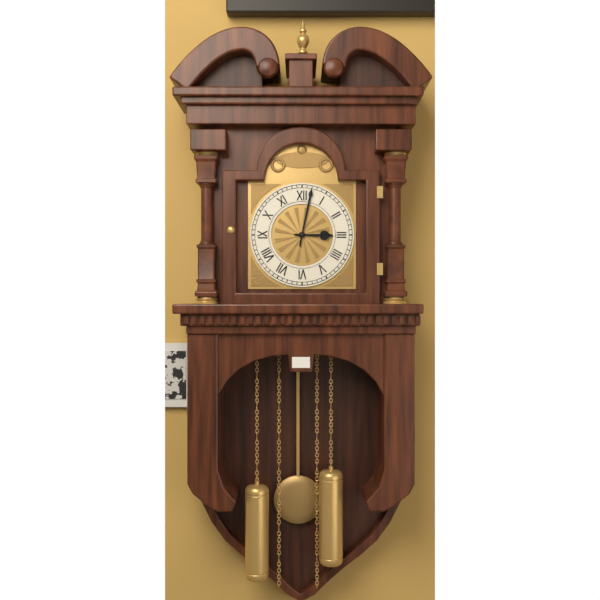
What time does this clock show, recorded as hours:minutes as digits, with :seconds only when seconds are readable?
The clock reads 3:02
